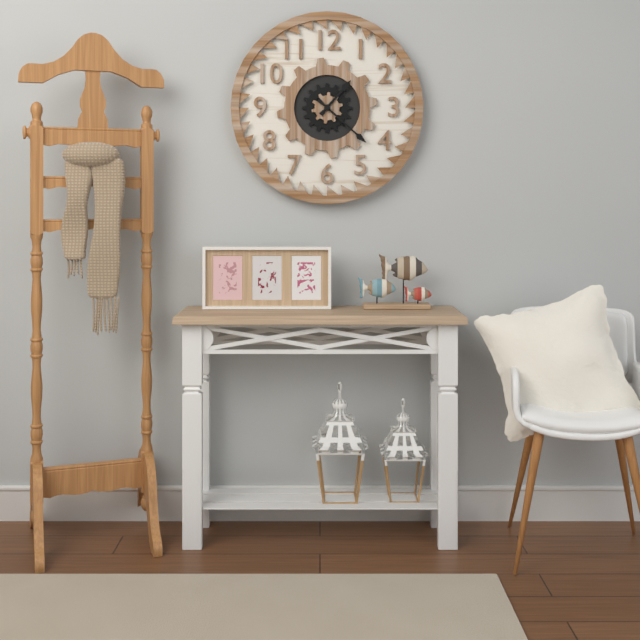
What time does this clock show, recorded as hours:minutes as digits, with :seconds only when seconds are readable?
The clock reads 1:22
